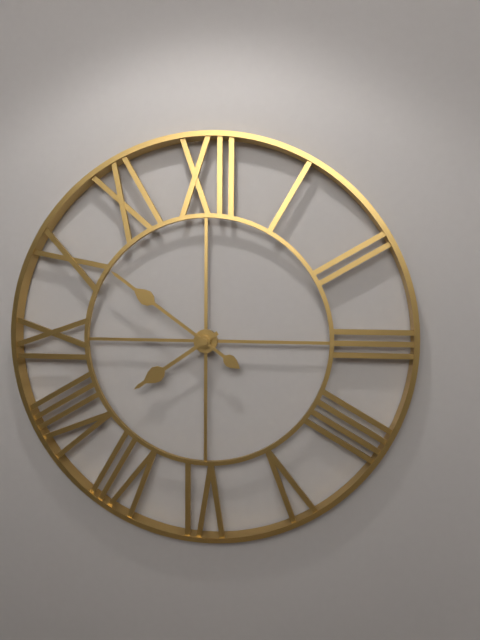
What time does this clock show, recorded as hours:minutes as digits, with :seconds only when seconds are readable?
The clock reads 7:51
